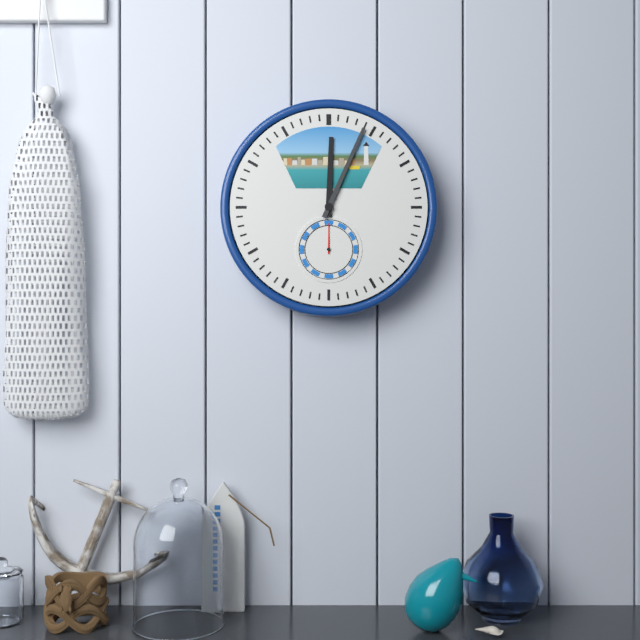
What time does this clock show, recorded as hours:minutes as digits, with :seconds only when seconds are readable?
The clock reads 12:04
